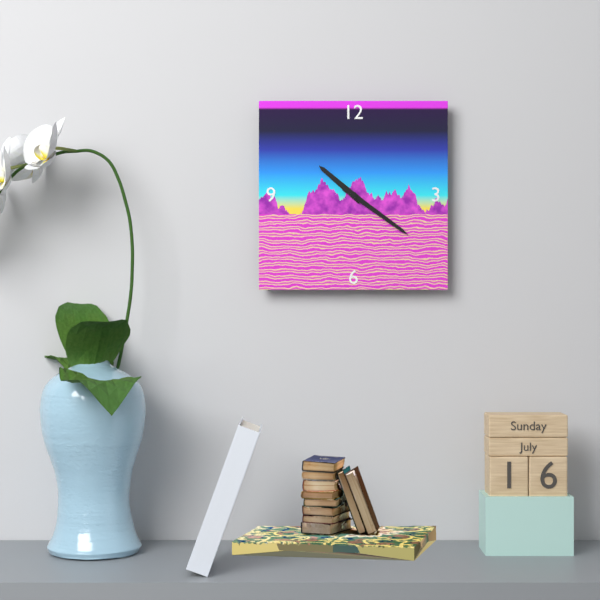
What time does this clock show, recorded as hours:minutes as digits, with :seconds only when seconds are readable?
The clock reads 10:21
